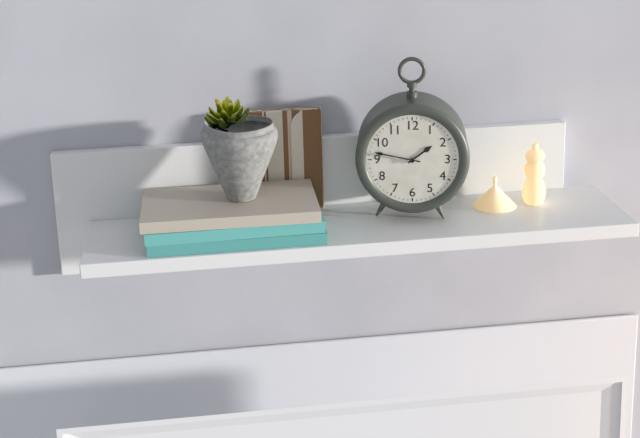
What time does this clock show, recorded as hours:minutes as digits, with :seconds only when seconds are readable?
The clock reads 1:47
